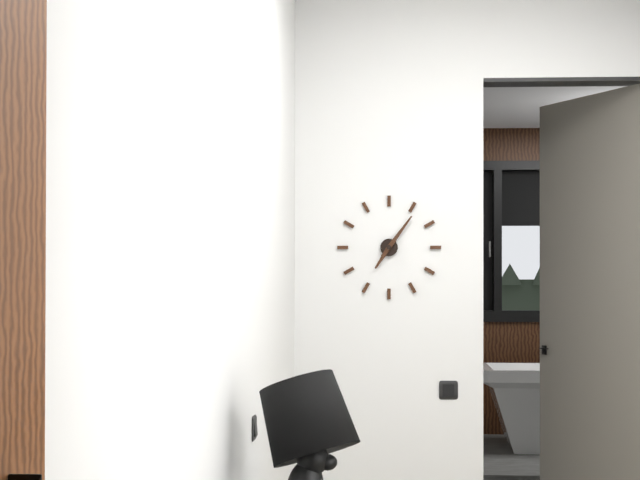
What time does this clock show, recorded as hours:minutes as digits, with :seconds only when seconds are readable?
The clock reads 7:06
